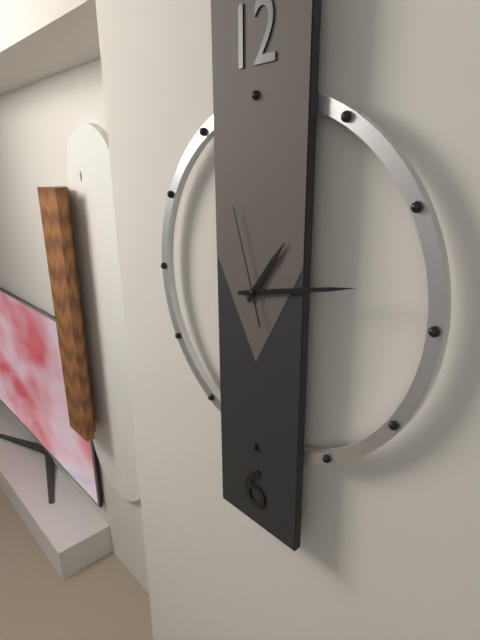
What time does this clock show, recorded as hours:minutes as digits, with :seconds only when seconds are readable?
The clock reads 1:13:57
